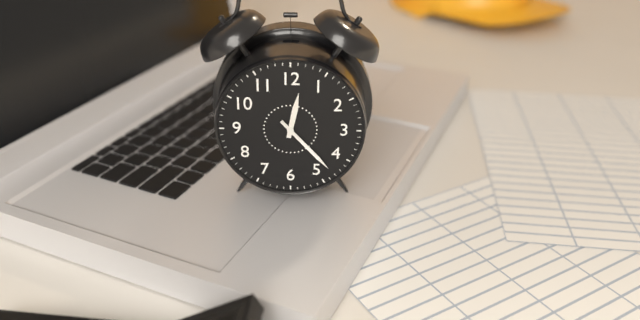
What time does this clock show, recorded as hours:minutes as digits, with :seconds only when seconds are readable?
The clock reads 12:23
